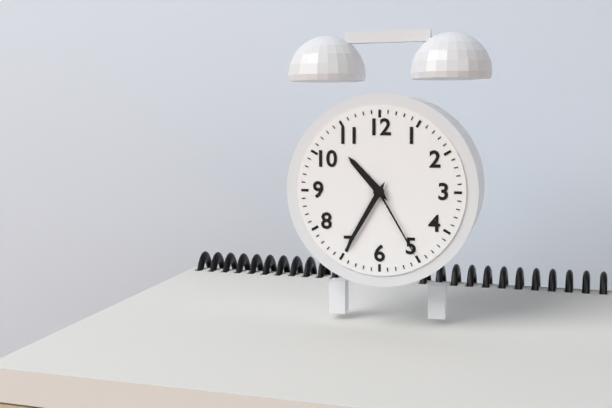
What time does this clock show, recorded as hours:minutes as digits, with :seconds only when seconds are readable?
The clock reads 10:35:25
